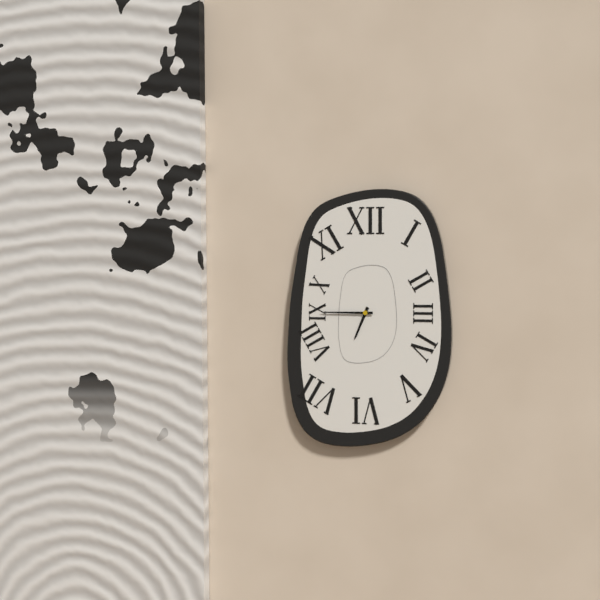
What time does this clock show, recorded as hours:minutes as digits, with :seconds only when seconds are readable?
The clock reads 6:45
